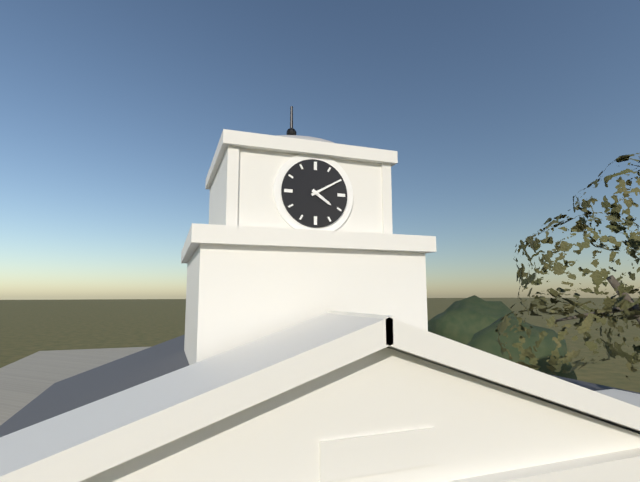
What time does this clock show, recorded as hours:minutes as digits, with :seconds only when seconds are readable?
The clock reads 4:10
